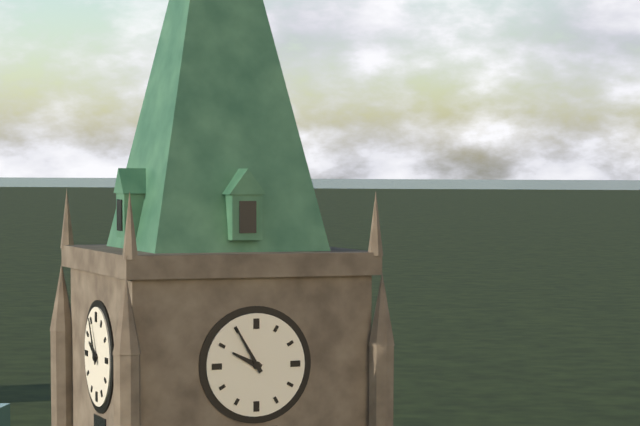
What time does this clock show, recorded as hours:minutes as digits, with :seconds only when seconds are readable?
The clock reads 9:55
